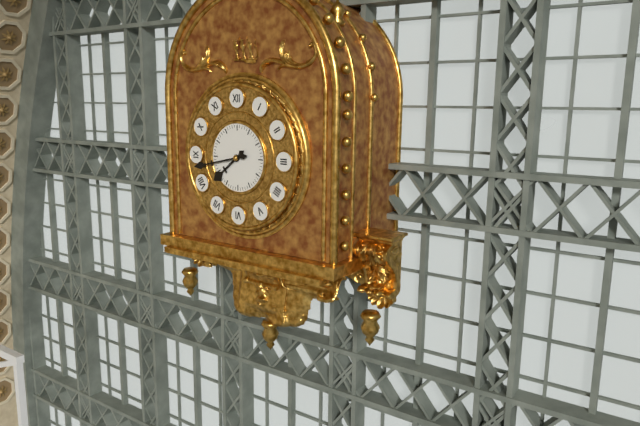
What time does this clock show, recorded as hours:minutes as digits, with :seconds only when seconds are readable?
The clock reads 7:43
